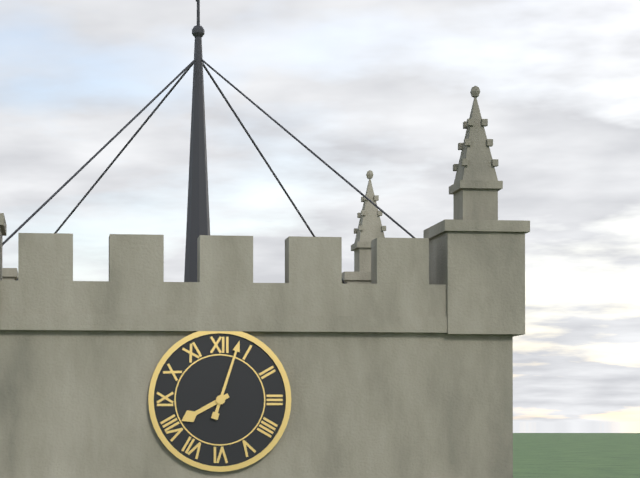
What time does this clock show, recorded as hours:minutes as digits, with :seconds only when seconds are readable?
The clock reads 8:03
